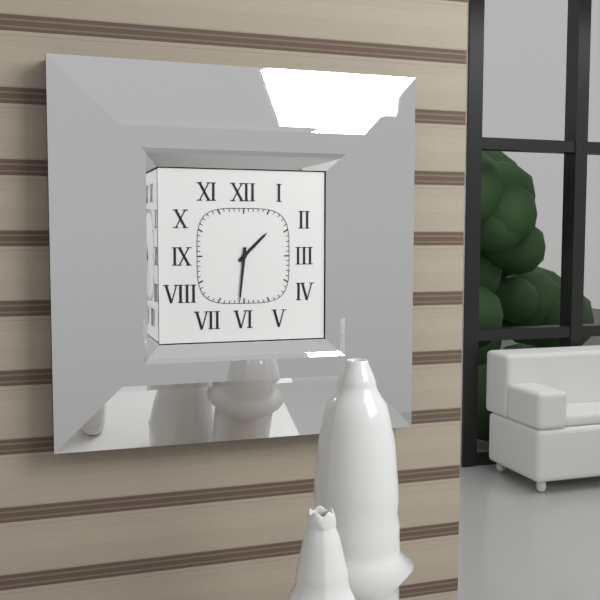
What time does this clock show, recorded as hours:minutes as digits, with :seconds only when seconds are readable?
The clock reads 1:31
